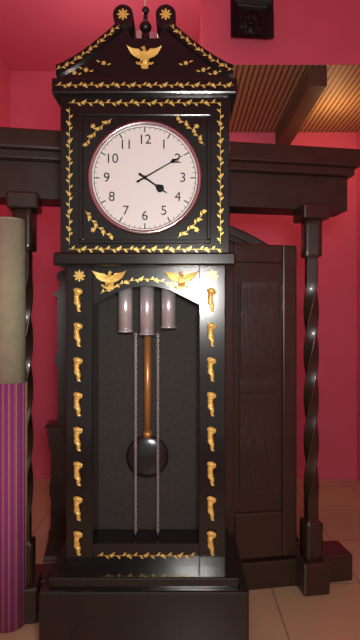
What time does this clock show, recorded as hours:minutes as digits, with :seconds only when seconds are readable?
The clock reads 4:10
